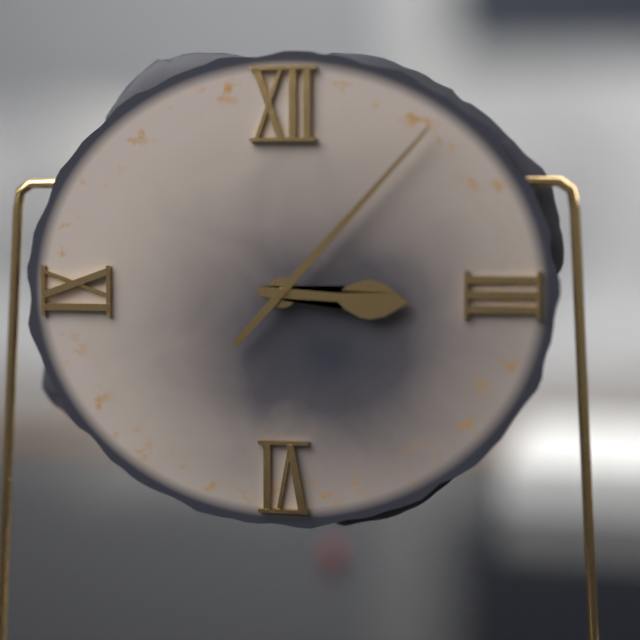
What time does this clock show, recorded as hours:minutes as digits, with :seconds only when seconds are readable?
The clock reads 3:07
